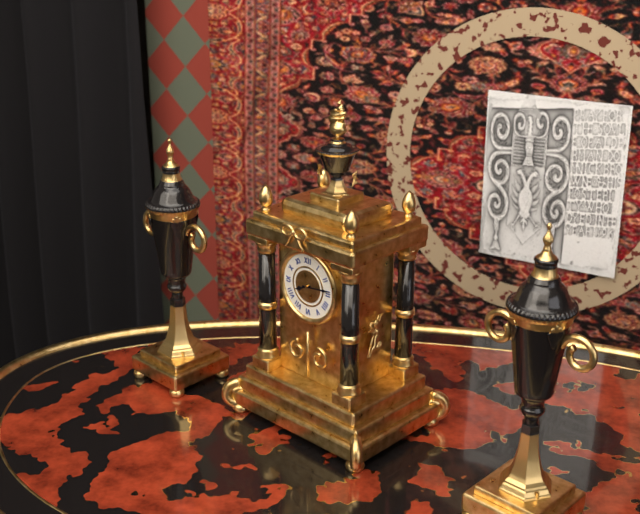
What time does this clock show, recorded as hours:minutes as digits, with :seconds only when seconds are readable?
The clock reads 8:14
